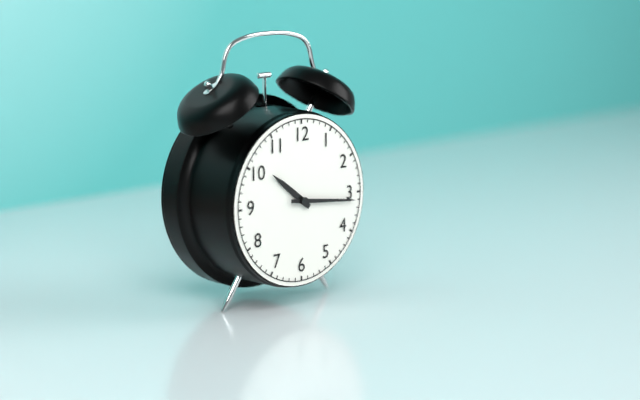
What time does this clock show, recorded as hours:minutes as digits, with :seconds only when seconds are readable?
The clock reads 10:16
